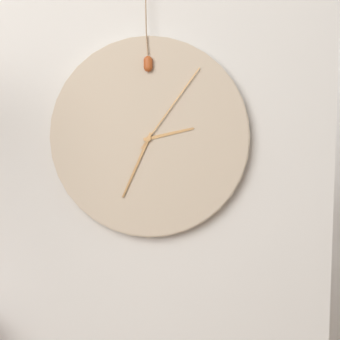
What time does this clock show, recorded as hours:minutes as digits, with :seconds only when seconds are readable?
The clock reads 2:34:06
